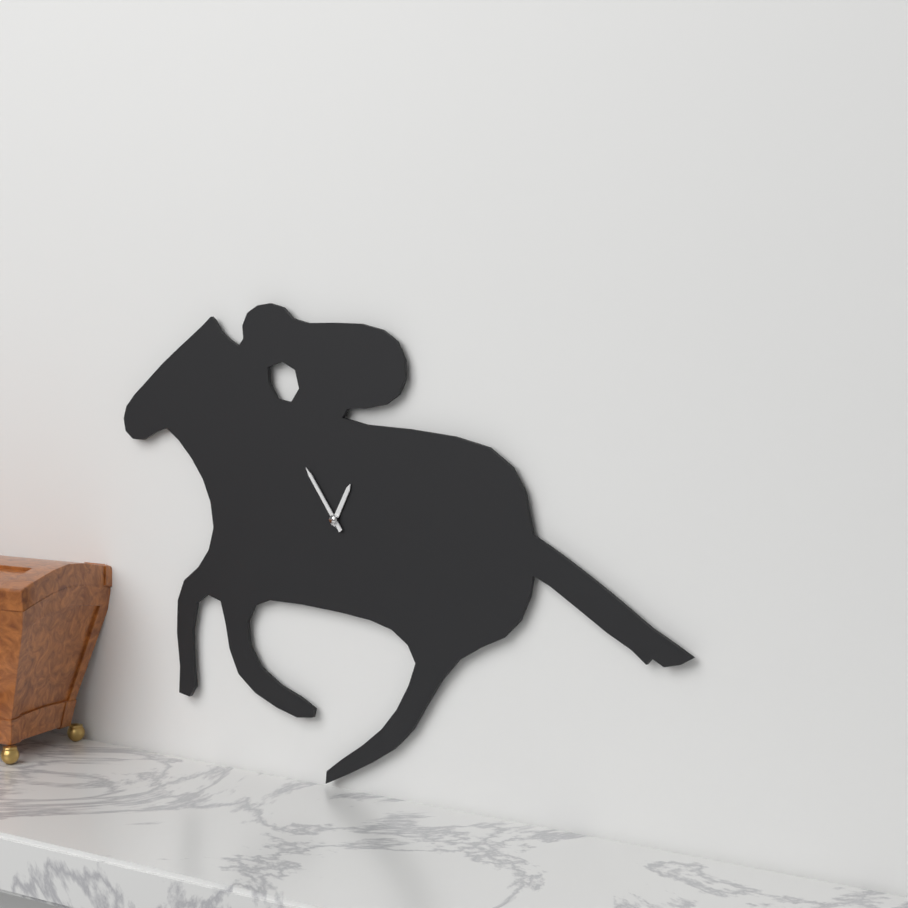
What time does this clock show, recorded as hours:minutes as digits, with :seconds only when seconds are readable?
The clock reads 12:54
